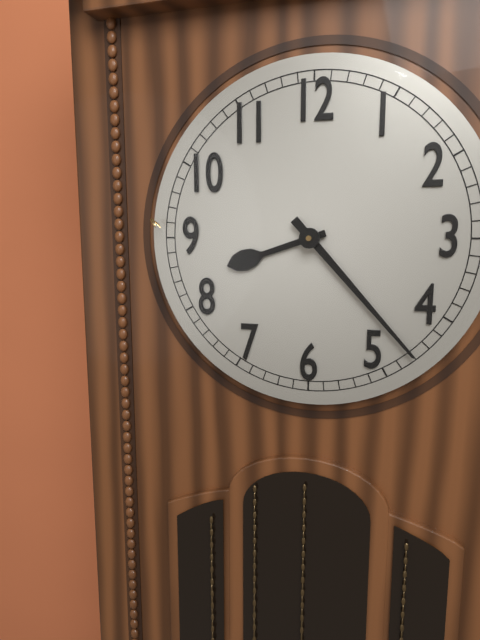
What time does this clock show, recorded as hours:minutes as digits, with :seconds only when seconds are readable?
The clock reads 8:23
